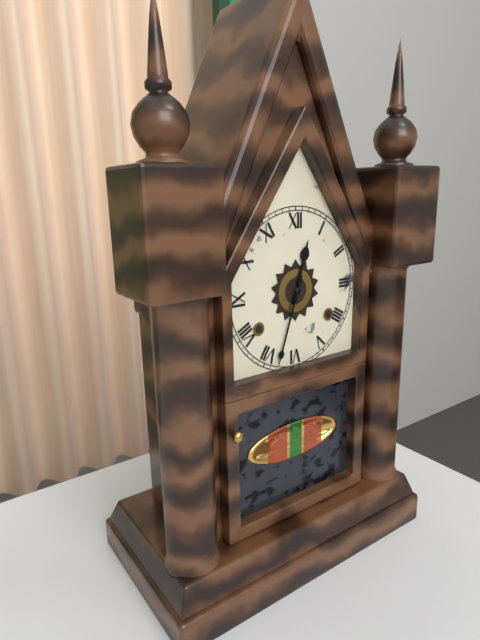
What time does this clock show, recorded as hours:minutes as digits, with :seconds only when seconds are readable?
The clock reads 12:33
